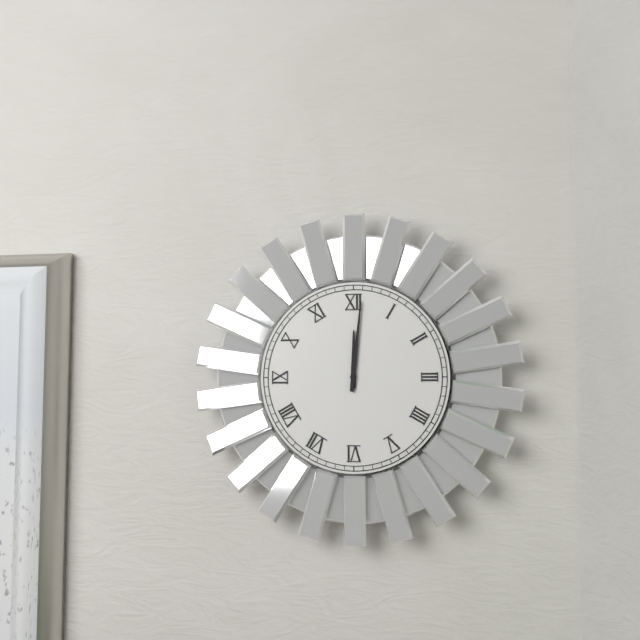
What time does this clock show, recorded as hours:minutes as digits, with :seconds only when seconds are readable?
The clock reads 12:01
